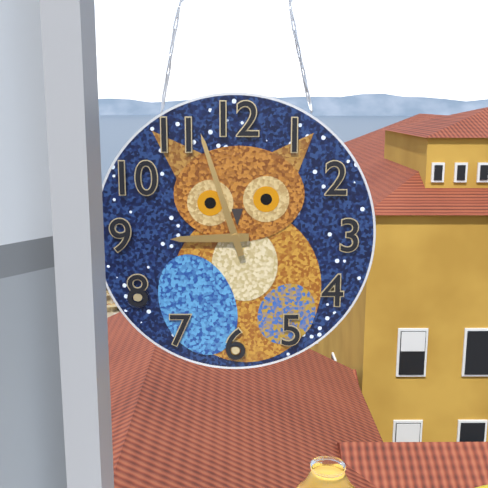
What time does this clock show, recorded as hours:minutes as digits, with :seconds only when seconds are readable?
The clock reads 8:57
